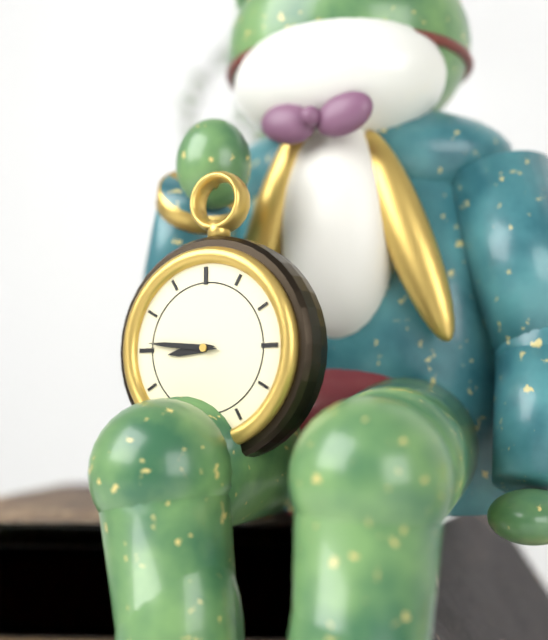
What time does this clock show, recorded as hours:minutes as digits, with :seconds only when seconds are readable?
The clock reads 8:46
